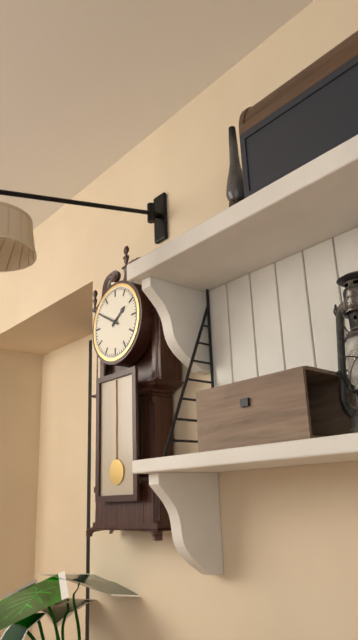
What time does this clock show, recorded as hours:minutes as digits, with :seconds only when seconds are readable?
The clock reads 1:50
